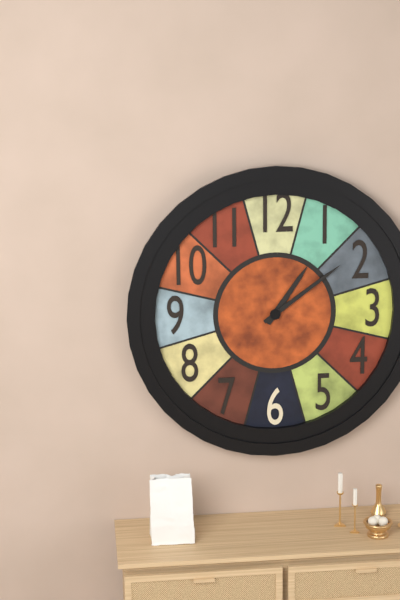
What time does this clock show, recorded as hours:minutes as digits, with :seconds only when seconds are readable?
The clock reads 1:09
